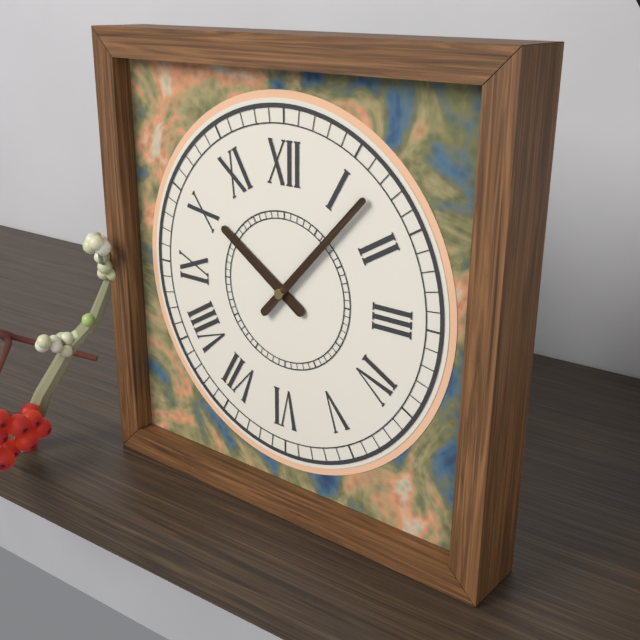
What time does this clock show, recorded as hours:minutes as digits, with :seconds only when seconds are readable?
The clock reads 10:07
